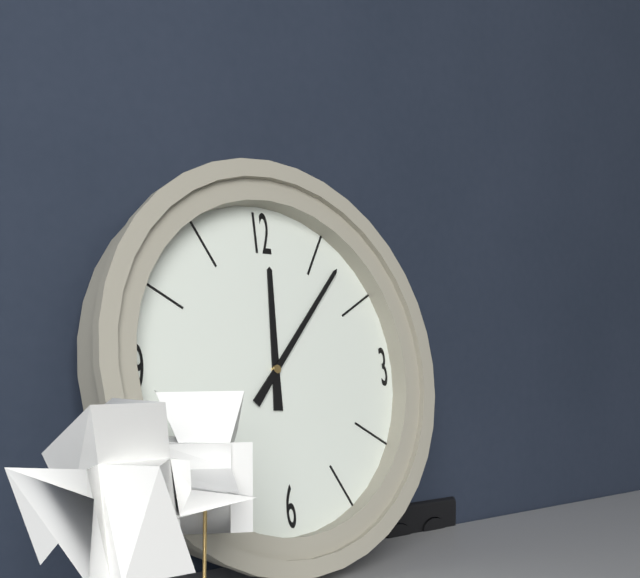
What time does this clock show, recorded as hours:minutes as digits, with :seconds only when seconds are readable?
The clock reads 12:07
